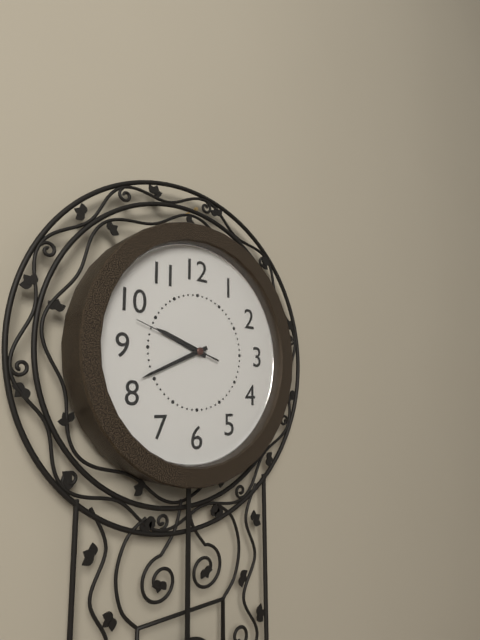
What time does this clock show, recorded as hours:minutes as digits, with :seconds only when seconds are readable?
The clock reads 9:41:48
